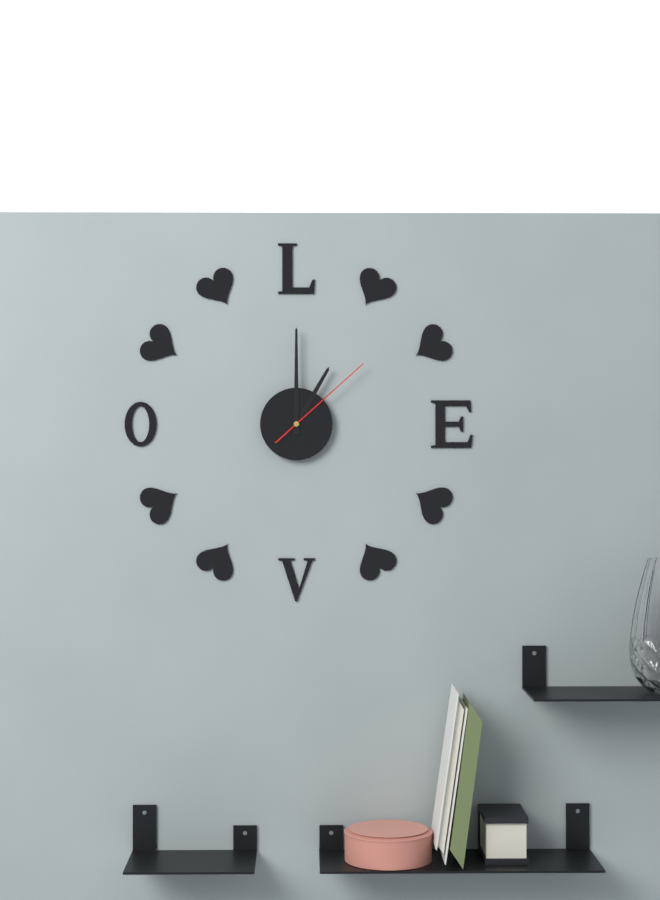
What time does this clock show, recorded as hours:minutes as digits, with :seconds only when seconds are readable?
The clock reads 1:00:08
